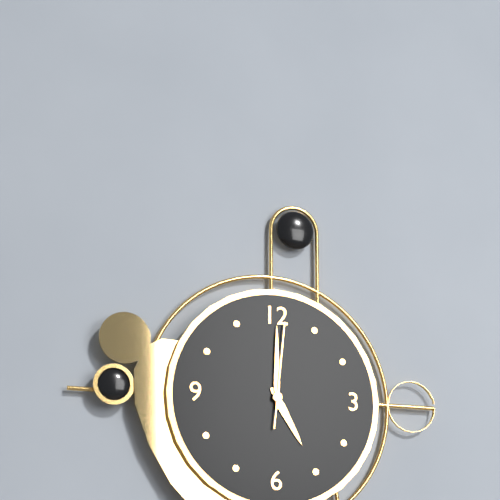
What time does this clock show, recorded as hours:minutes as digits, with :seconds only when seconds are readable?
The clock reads 5:00:01
